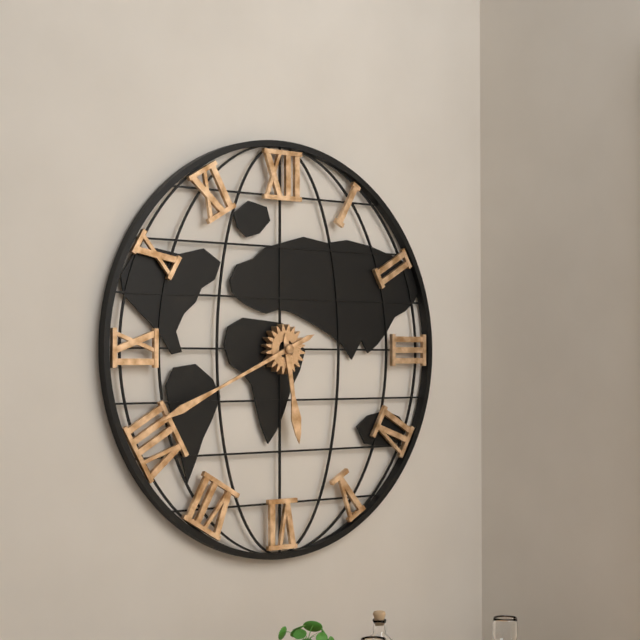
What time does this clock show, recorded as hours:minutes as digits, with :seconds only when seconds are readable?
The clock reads 5:41
